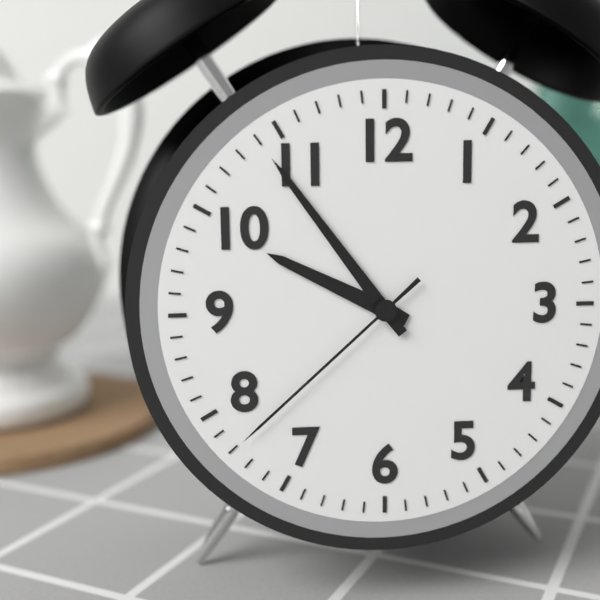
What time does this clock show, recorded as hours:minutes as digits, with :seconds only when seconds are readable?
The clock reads 9:54:38
